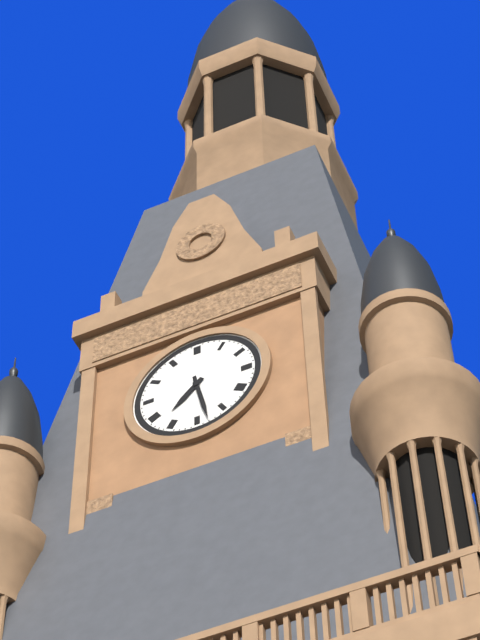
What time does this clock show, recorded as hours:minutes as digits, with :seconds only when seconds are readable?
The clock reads 7:28
